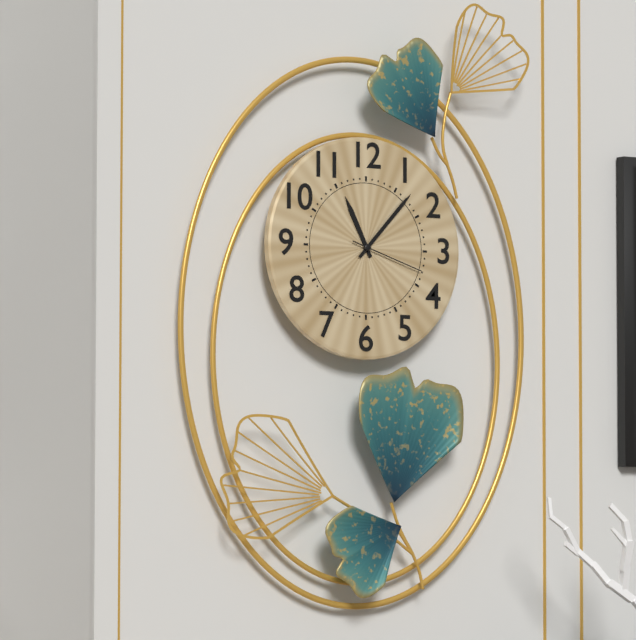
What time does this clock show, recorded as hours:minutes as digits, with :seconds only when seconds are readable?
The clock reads 11:07:18
